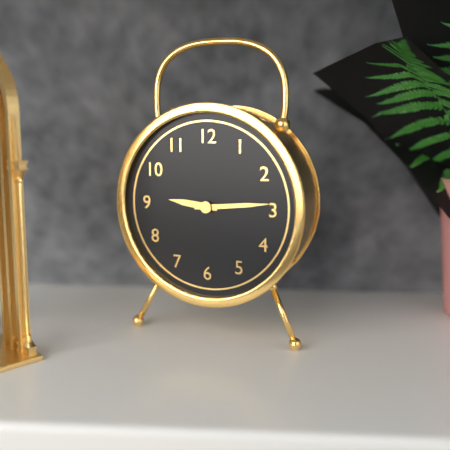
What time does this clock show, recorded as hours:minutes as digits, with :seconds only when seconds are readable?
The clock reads 9:14
